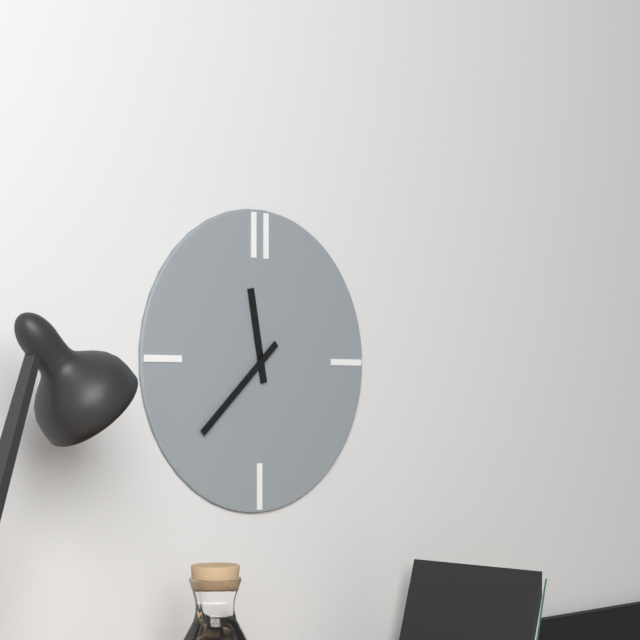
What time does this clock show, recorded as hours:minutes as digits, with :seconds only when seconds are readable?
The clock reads 11:38
